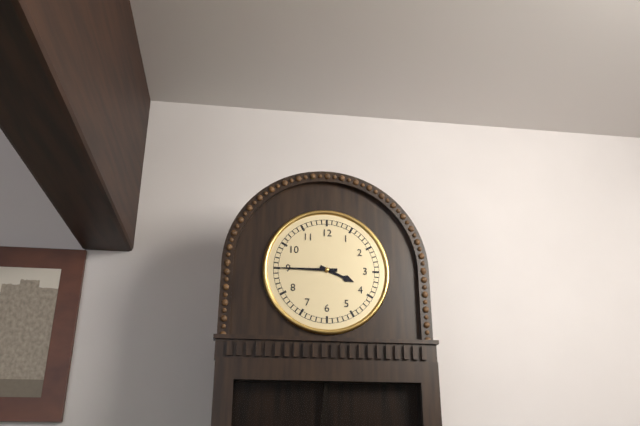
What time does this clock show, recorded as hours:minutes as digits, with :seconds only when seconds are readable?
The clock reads 3:45
